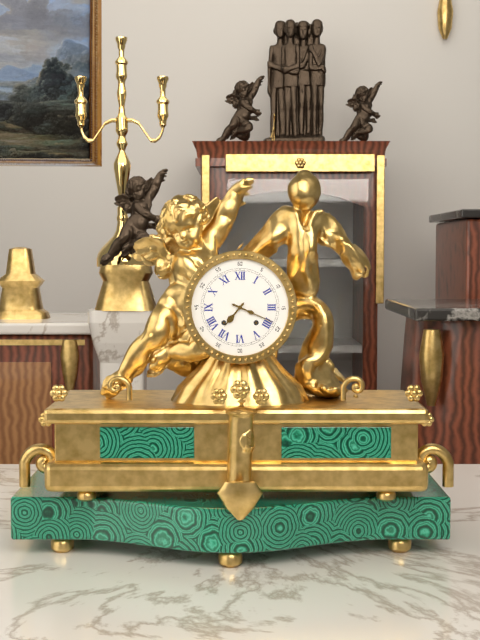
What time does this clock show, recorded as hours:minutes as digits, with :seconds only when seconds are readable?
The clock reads 7:19
